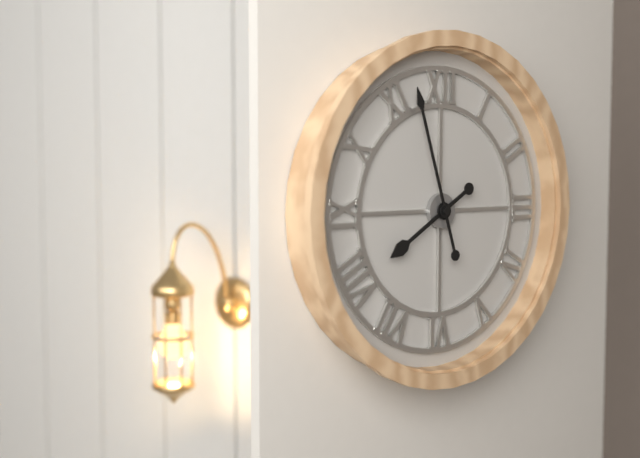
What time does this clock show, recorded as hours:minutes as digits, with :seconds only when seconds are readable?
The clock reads 7:57
